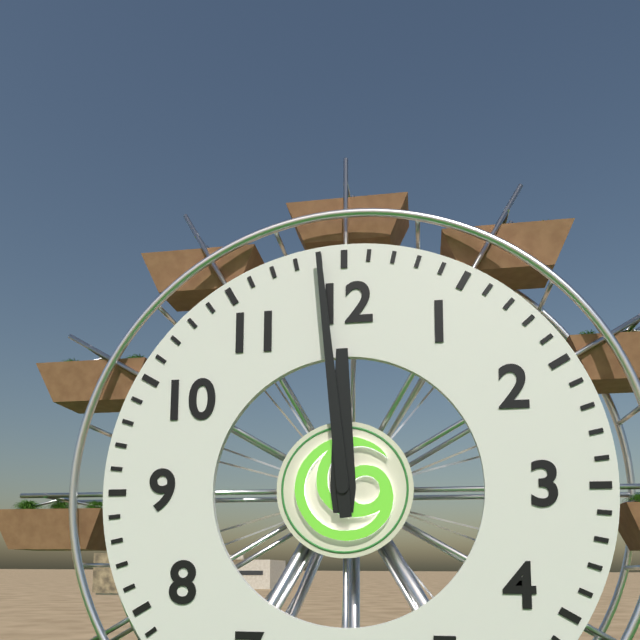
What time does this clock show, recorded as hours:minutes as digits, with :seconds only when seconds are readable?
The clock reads 11:59
